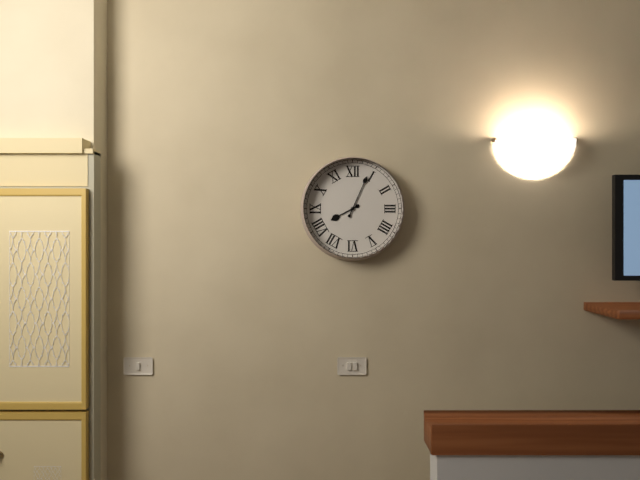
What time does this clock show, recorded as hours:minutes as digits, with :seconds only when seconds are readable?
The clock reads 8:04
